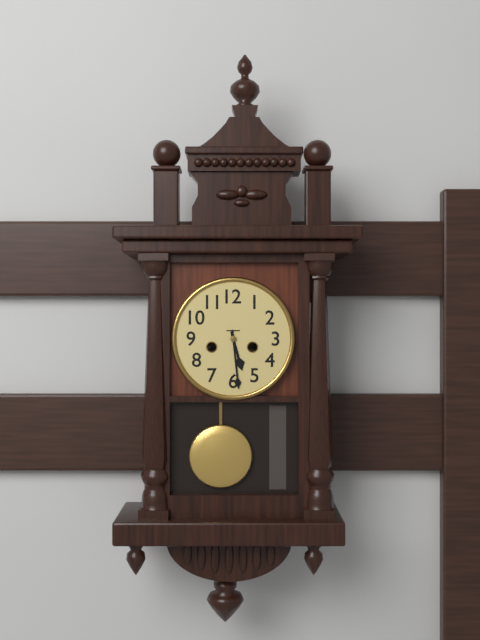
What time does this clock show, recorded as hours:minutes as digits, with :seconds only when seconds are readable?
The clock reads 5:29
